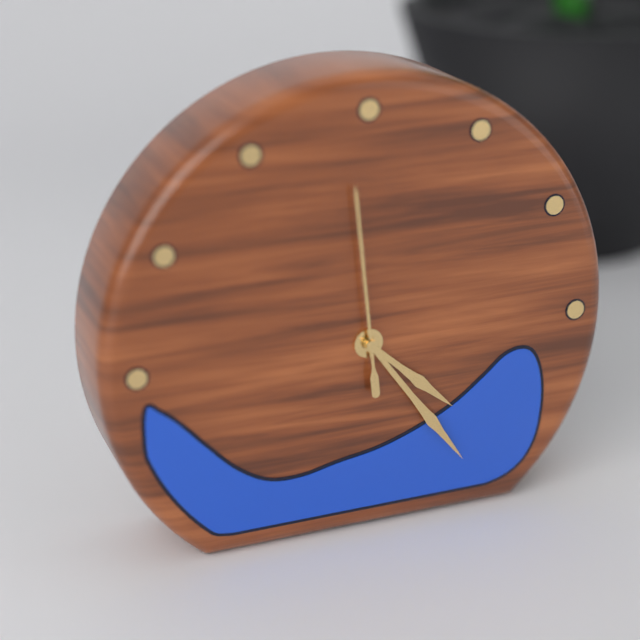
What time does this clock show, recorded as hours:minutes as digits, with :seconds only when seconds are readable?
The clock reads 4:24:59
